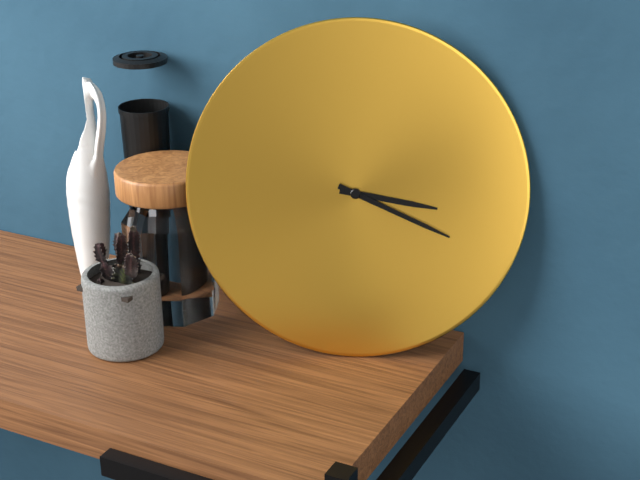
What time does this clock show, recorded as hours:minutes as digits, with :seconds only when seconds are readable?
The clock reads 3:19
